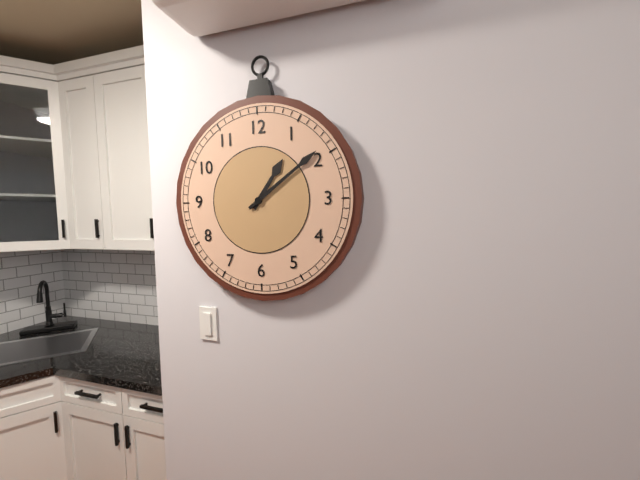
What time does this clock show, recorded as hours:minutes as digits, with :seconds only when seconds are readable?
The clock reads 1:09
